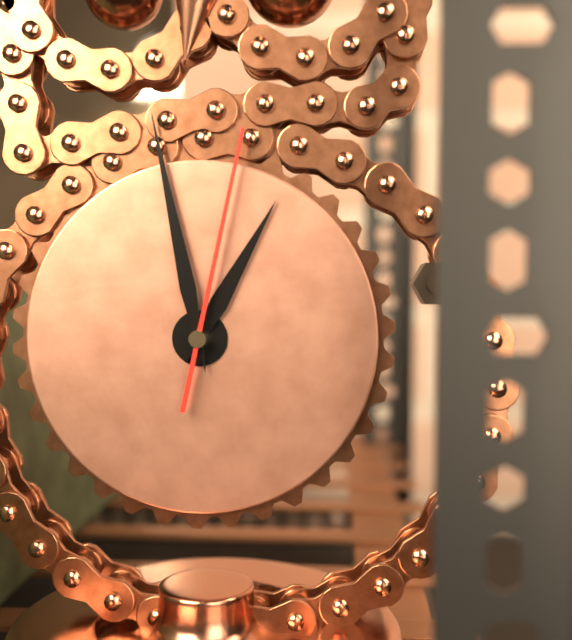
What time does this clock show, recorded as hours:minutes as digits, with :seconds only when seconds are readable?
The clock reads 12:58:02
